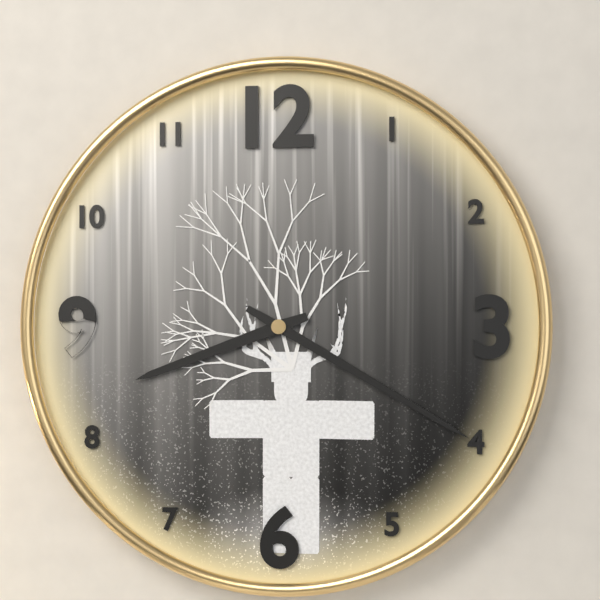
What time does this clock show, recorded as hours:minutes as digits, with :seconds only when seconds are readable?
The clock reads 8:20
